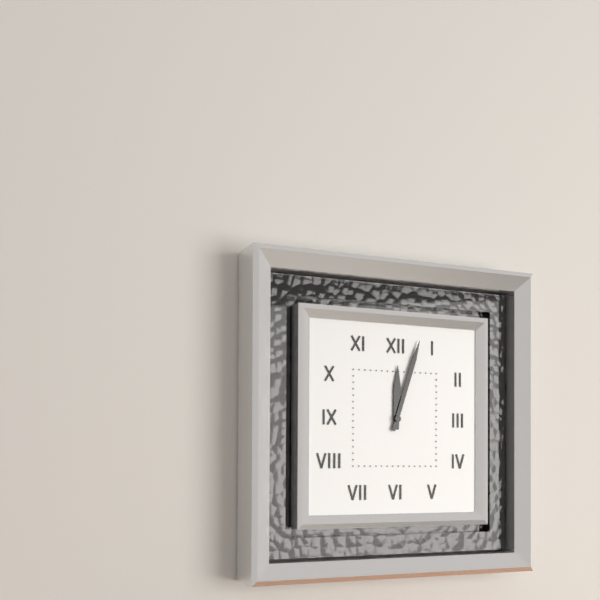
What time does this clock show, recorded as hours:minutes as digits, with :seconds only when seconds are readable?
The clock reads 12:03
